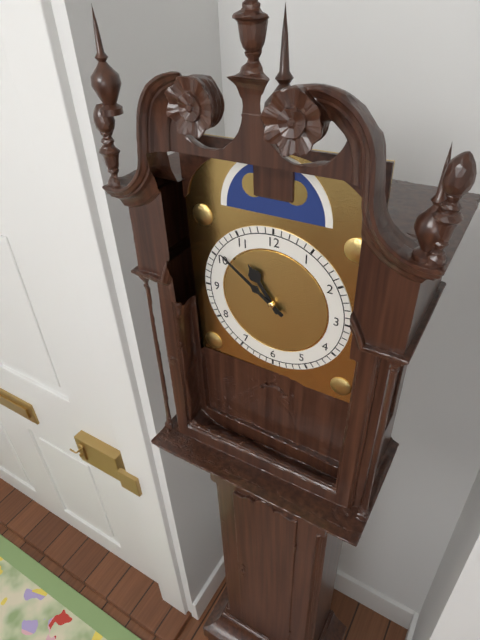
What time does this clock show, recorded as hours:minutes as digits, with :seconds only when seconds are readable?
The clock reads 10:51
